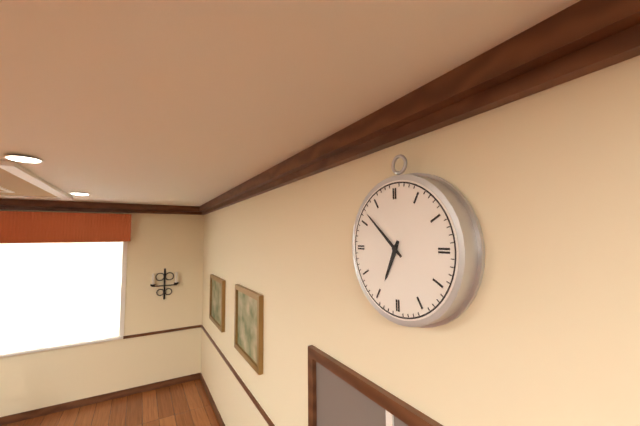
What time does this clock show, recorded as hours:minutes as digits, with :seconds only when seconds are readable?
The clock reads 6:52
